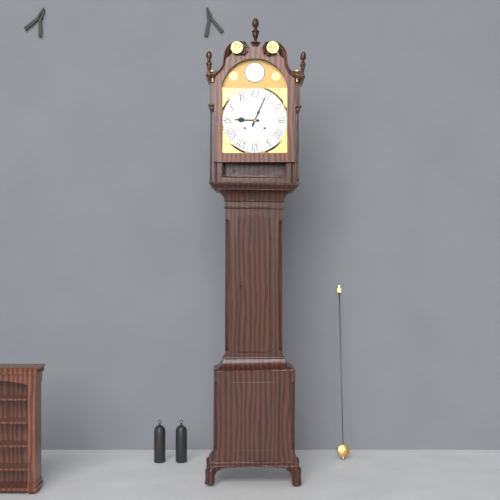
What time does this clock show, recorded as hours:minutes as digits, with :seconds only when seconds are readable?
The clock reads 9:04
